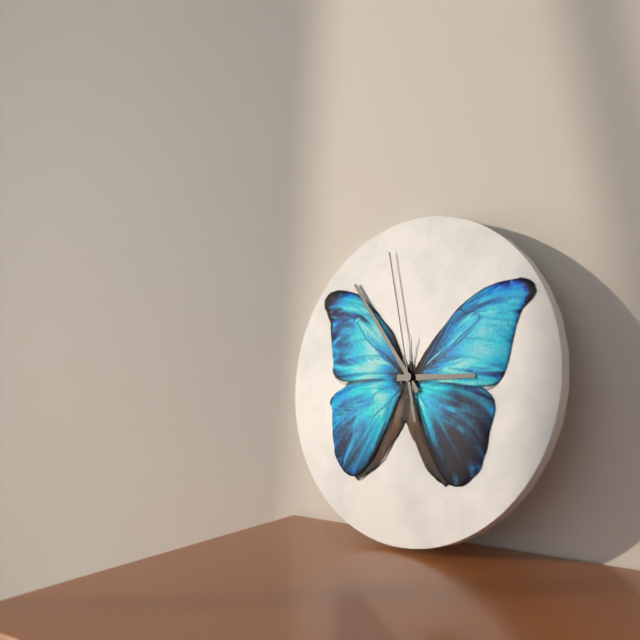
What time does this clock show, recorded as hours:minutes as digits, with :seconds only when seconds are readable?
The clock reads 2:53:57
